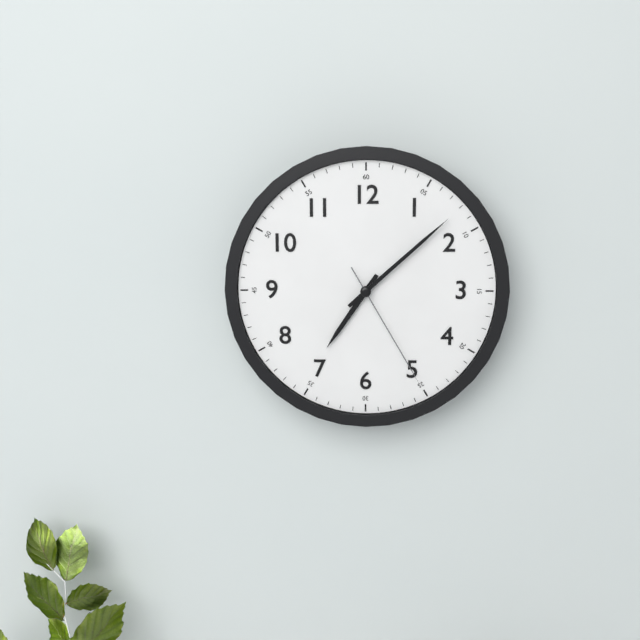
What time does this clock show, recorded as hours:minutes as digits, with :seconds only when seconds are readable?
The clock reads 7:08:25
